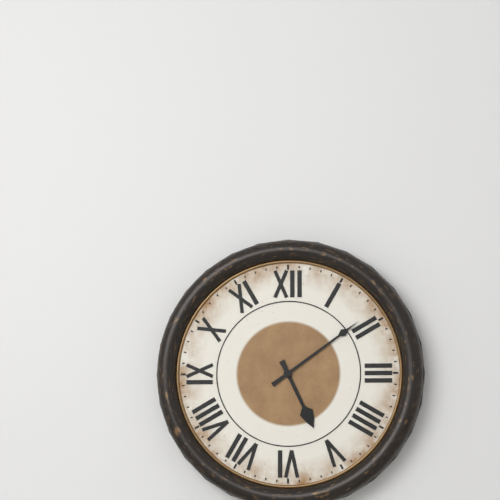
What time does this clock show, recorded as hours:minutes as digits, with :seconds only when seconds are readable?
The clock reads 5:09
